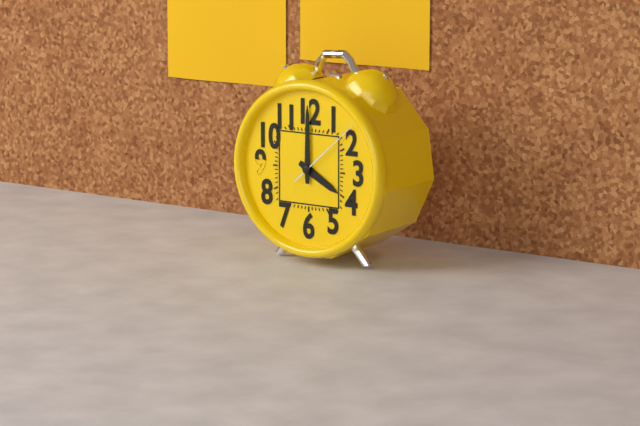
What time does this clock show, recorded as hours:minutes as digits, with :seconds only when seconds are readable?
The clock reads 4:00:08
